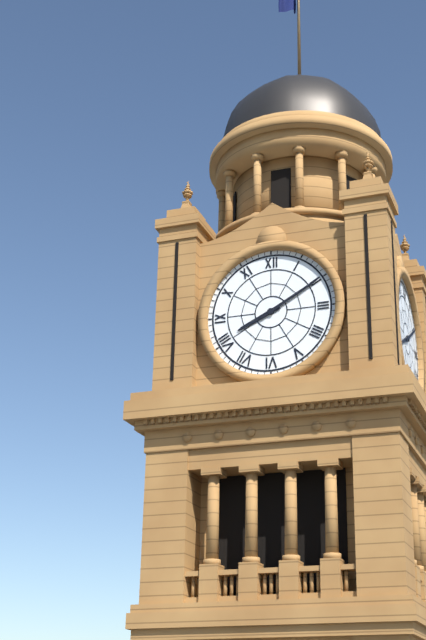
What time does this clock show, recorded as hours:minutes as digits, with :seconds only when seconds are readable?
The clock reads 8:10
